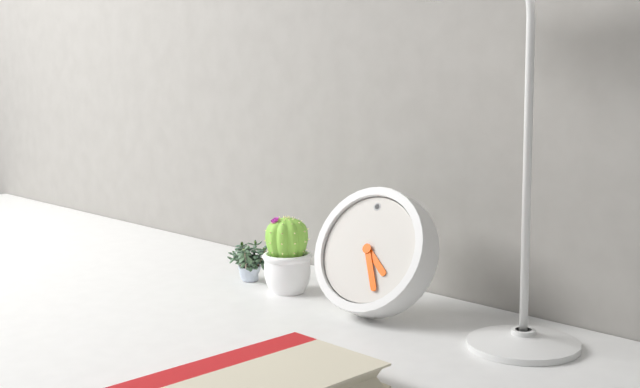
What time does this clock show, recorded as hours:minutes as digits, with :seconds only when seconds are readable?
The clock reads 4:26
